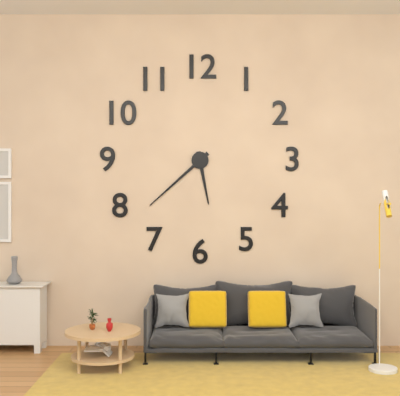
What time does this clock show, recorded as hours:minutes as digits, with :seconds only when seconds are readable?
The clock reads 5:38
